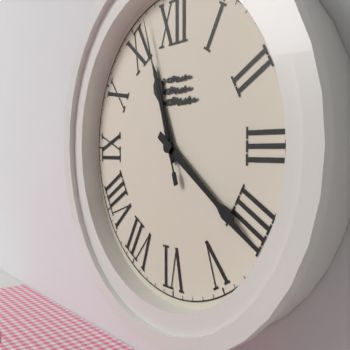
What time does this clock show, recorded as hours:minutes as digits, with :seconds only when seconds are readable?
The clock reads 11:21:57
